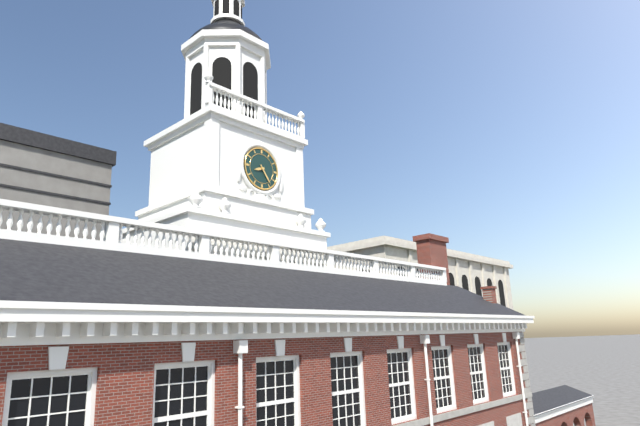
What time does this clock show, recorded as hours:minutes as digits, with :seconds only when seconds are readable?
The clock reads 8:24
